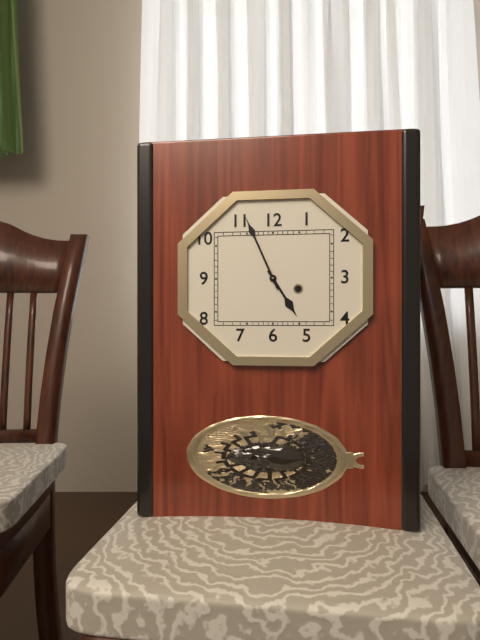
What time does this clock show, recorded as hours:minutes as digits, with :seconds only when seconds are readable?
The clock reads 4:56
